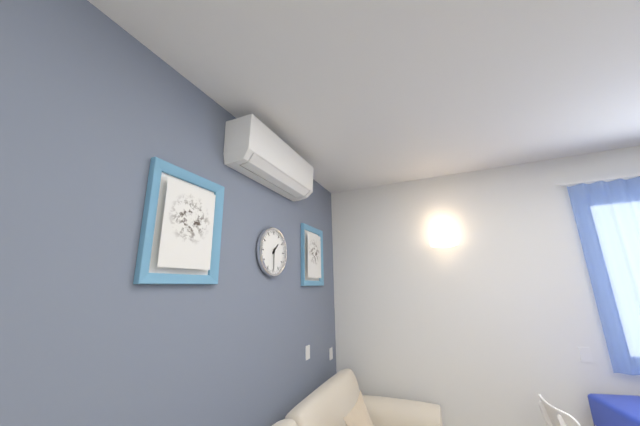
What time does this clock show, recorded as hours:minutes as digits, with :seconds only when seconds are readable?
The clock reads 1:30
